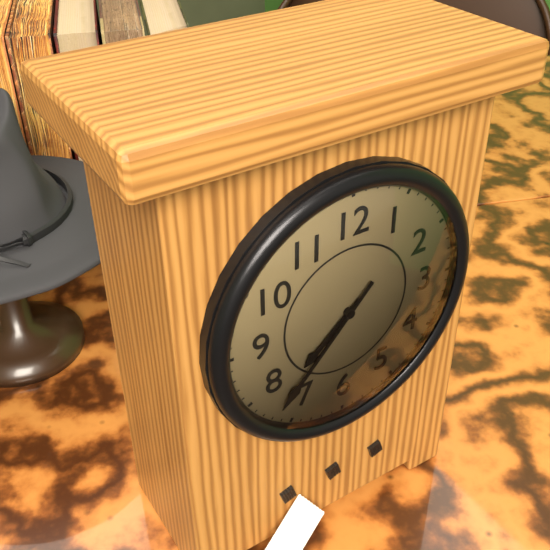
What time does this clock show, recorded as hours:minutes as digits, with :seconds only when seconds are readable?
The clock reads 7:37
